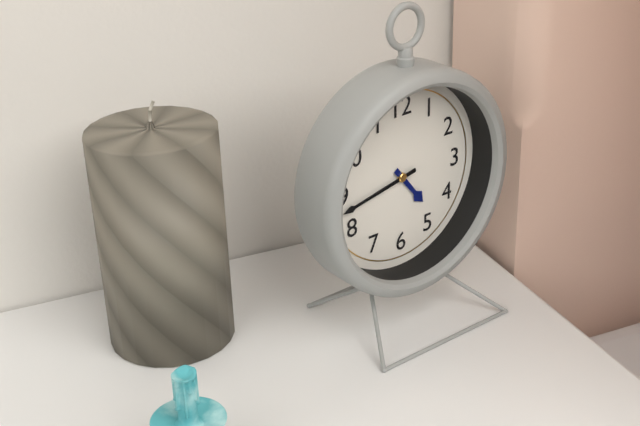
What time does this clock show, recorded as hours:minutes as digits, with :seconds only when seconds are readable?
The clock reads 4:43
